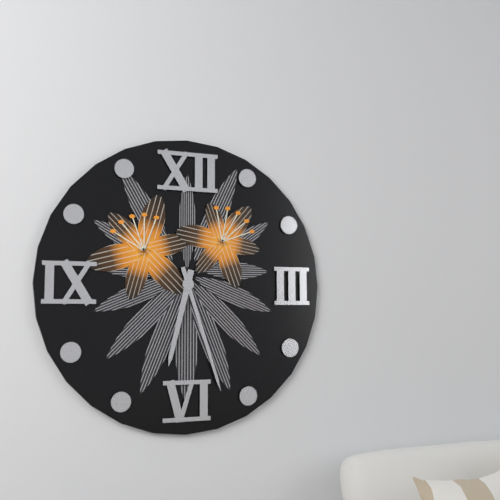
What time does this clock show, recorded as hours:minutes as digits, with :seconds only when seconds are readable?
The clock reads 6:27
